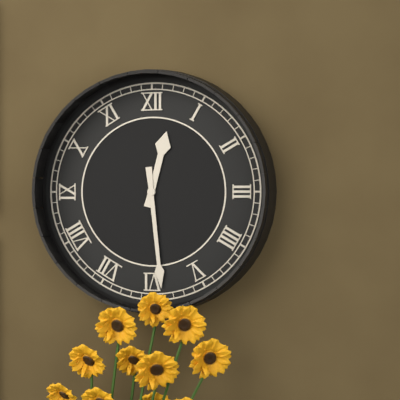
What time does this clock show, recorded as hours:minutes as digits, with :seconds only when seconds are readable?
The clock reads 12:29
